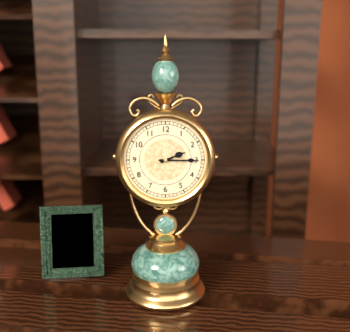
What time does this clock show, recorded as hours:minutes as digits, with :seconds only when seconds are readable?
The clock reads 2:15
